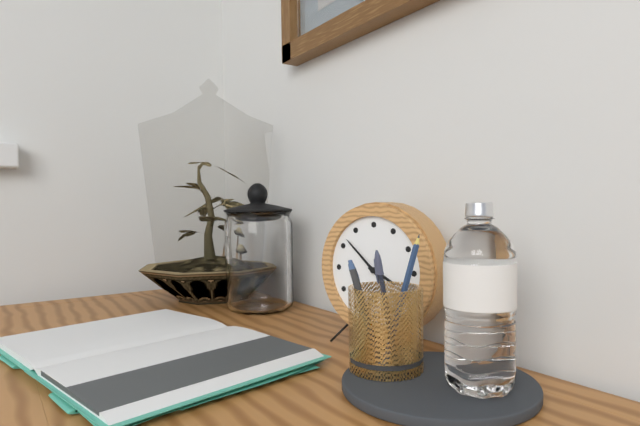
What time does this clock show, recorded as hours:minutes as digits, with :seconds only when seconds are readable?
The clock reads 3:52
